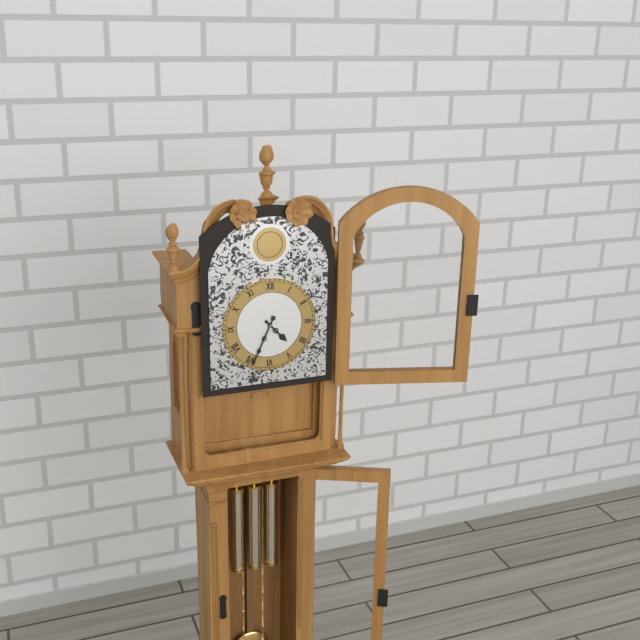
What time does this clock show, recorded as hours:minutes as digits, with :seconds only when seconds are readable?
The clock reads 4:34
